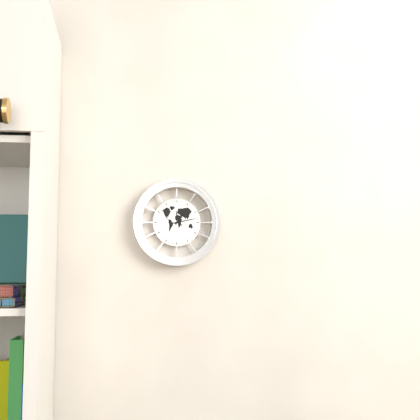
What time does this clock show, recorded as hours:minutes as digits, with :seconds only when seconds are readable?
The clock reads 1:13
